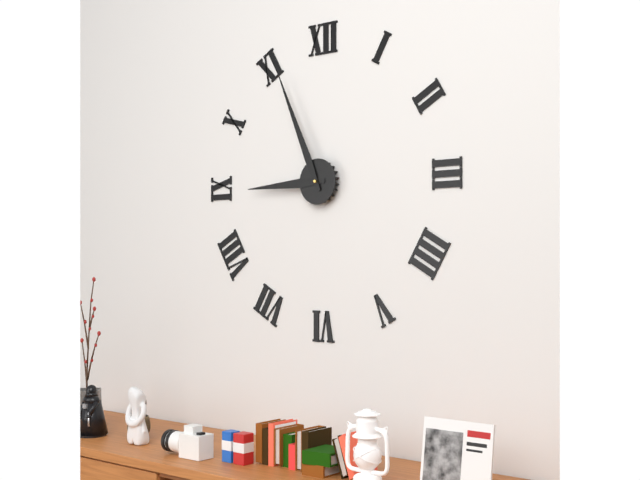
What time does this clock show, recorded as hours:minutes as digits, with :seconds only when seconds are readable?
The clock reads 8:56
